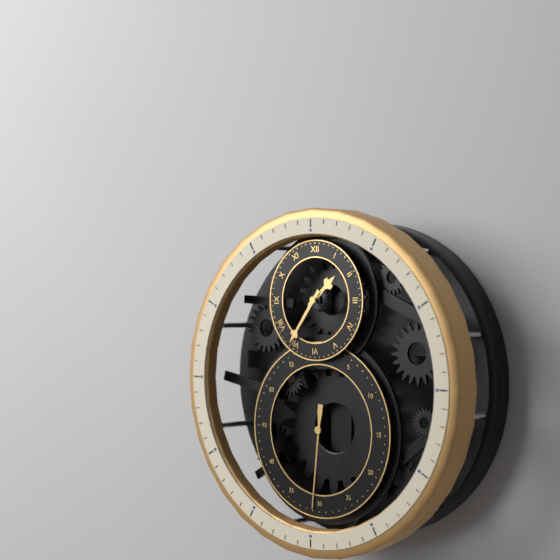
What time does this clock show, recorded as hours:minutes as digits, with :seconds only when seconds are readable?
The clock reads 1:36:31
